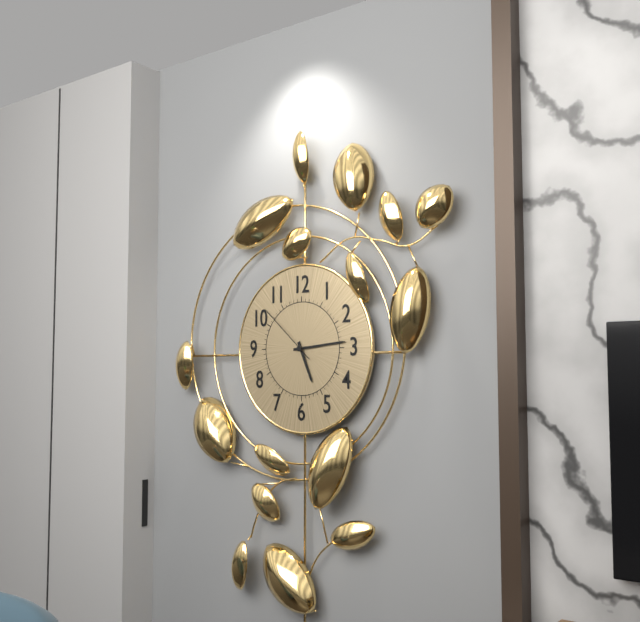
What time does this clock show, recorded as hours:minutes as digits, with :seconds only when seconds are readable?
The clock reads 5:14:52
